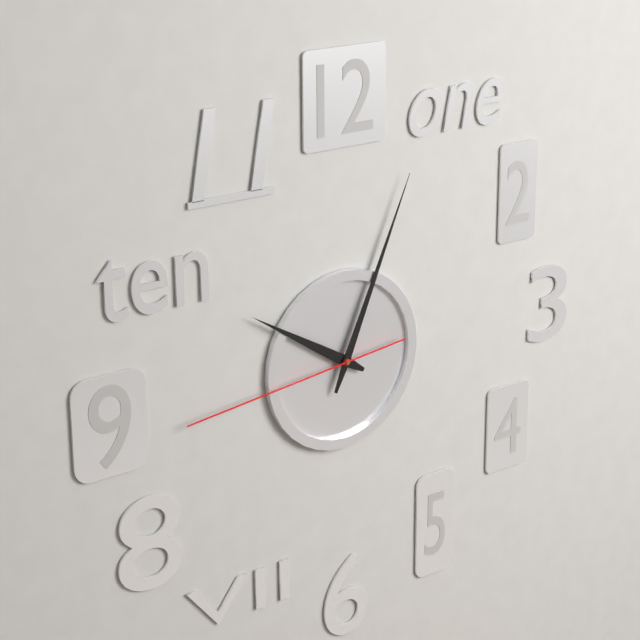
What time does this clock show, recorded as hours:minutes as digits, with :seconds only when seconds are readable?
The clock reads 10:04:44
